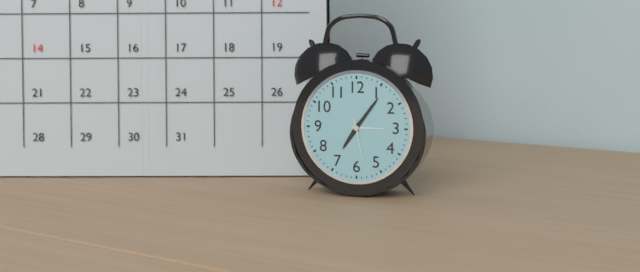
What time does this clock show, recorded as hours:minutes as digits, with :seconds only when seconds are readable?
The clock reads 7:06
